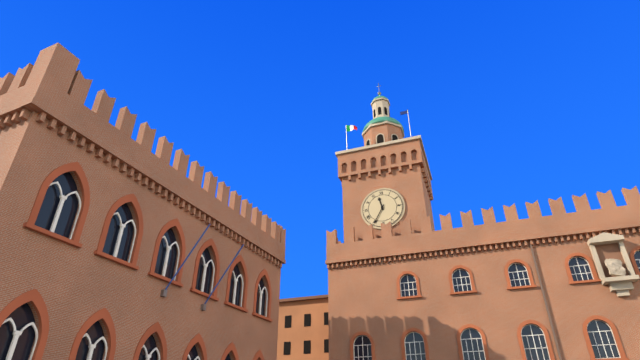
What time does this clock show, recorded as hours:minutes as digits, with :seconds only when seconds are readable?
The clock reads 11:35
